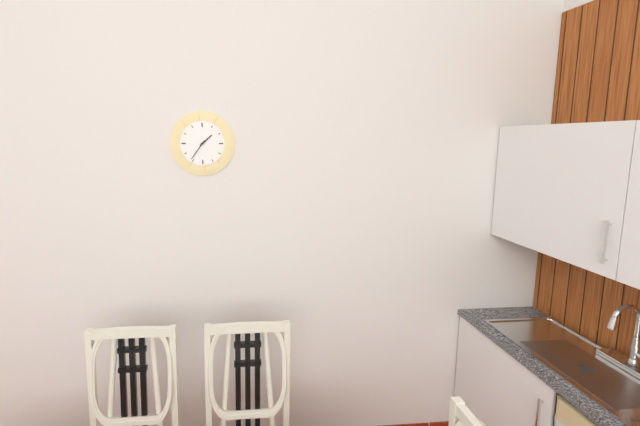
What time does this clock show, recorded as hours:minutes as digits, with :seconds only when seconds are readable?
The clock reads 1:36
